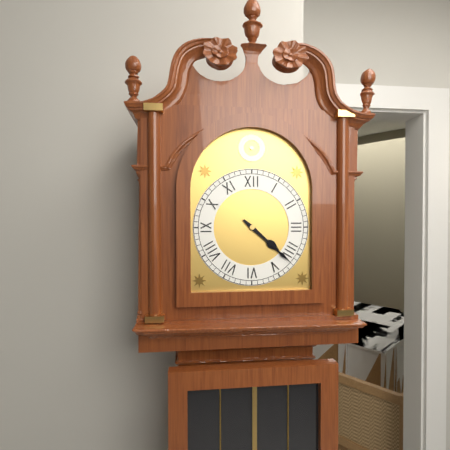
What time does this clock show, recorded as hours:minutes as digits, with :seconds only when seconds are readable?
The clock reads 4:22
